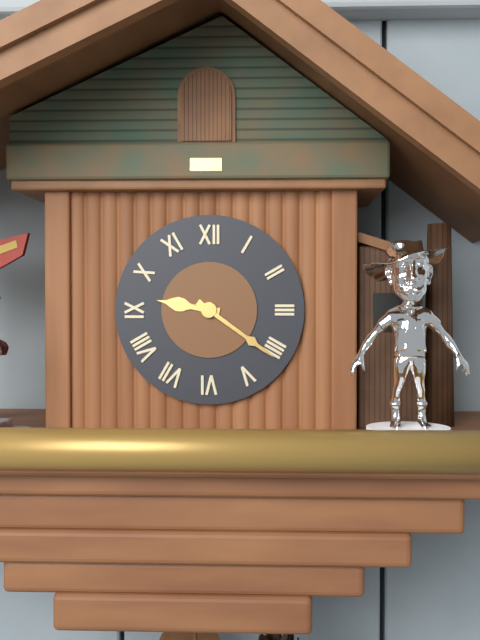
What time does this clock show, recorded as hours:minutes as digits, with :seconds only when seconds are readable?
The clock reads 9:21
